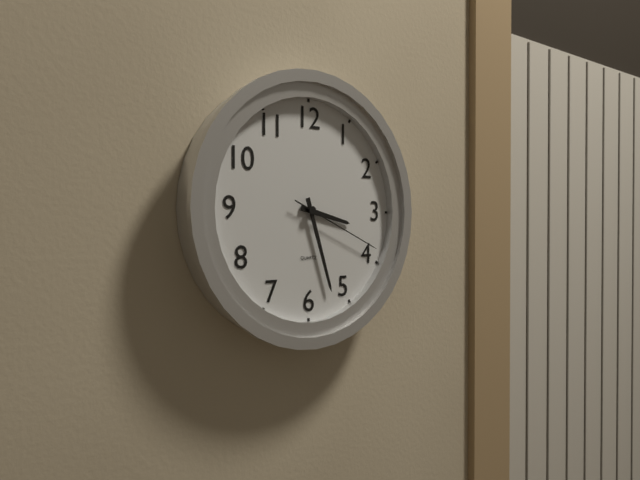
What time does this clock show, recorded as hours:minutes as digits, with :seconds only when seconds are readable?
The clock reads 3:27:19
